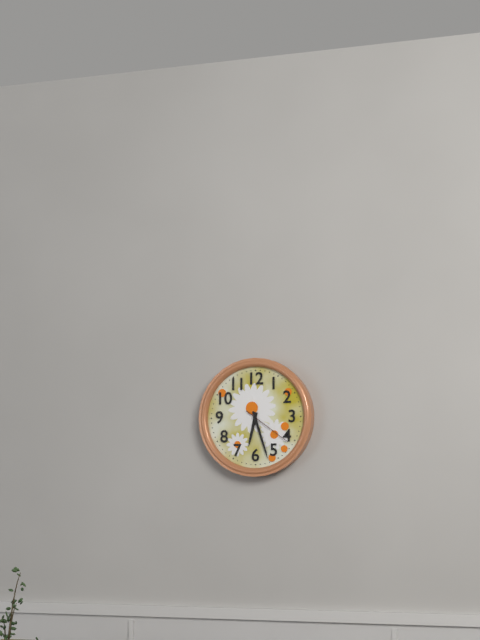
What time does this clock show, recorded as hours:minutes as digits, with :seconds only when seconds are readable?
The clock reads 6:27:21
